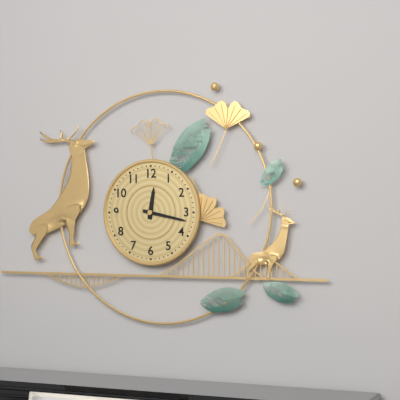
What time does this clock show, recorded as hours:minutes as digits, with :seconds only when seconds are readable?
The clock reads 12:17
